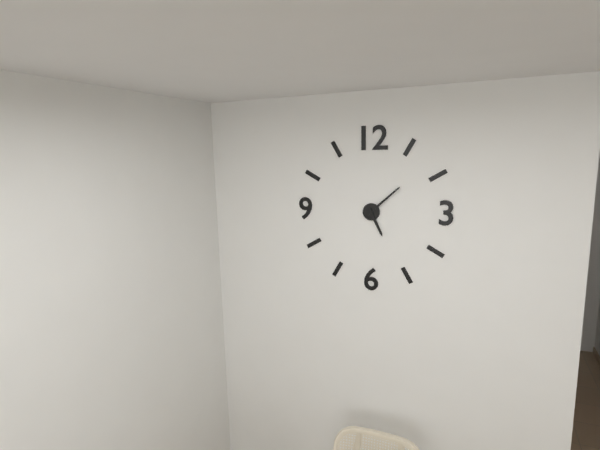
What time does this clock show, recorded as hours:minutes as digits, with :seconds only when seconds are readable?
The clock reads 5:08
